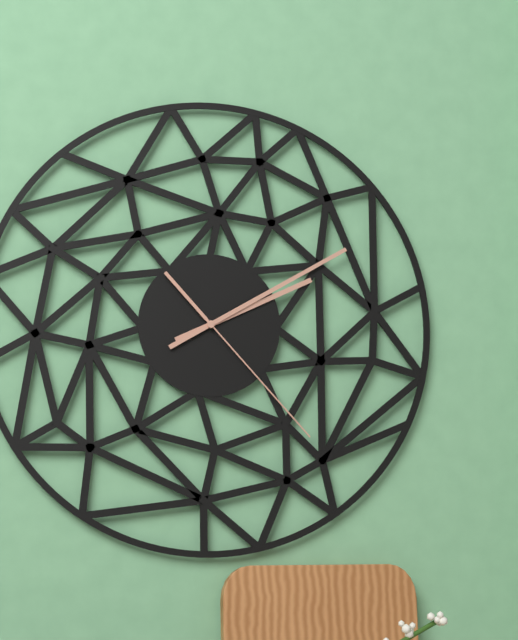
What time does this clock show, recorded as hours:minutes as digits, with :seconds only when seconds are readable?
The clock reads 2:10:23
